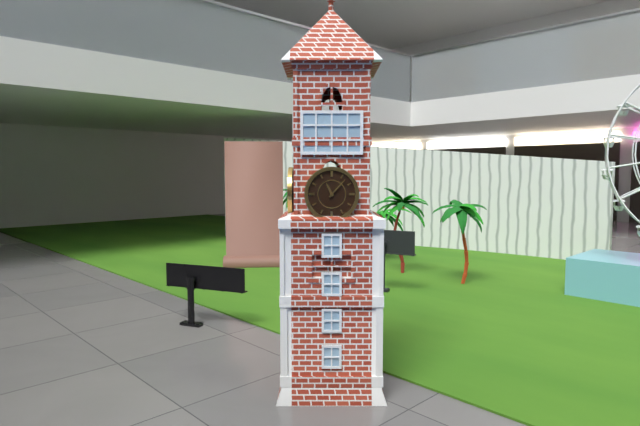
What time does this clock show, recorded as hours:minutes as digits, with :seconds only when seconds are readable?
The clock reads 11:07
